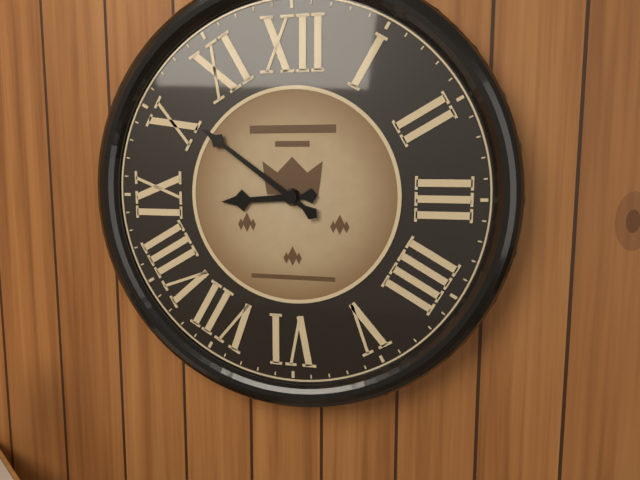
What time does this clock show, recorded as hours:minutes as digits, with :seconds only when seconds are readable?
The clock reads 8:51
